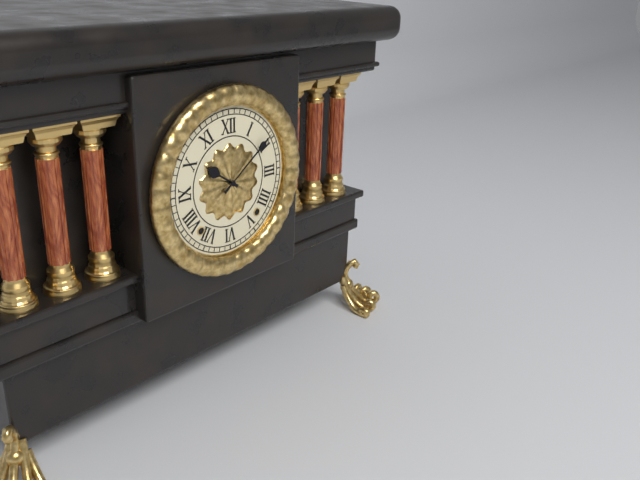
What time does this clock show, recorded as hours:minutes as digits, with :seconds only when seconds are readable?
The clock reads 10:09
